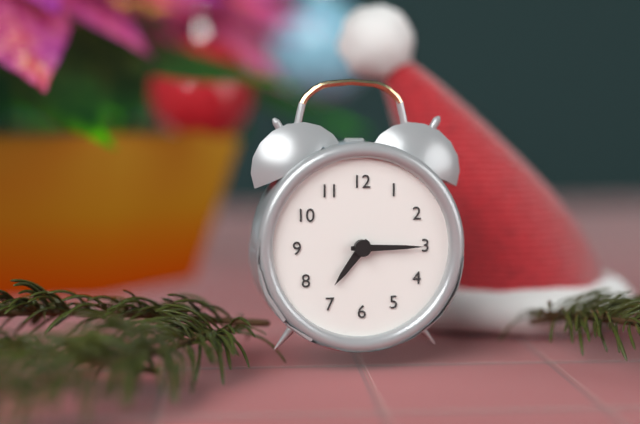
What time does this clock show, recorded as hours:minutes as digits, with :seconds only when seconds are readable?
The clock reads 7:15
